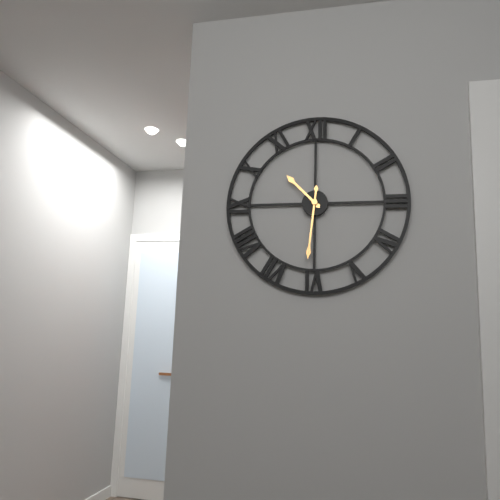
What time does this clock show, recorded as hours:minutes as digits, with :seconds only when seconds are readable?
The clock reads 10:31
